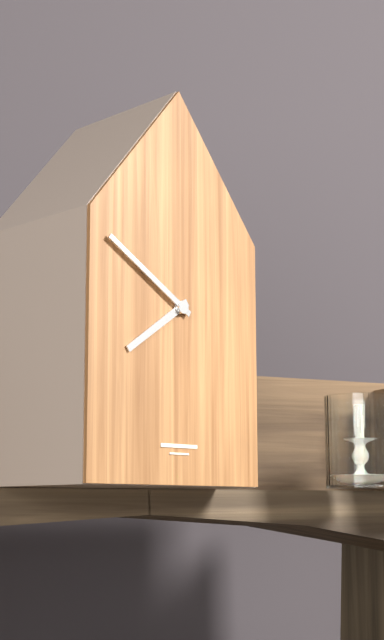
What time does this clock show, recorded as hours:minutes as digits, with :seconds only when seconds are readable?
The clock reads 7:50
